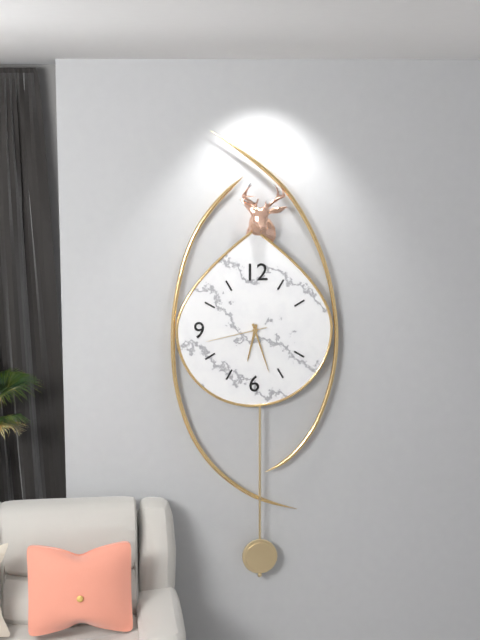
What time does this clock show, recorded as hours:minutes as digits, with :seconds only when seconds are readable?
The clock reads 6:27:43
